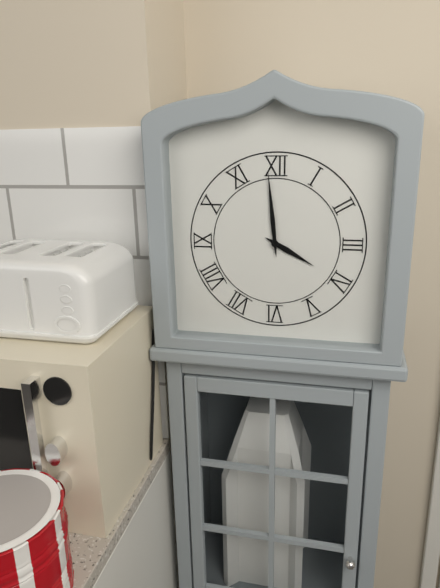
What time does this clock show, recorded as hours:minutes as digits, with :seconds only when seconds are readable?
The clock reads 3:59
